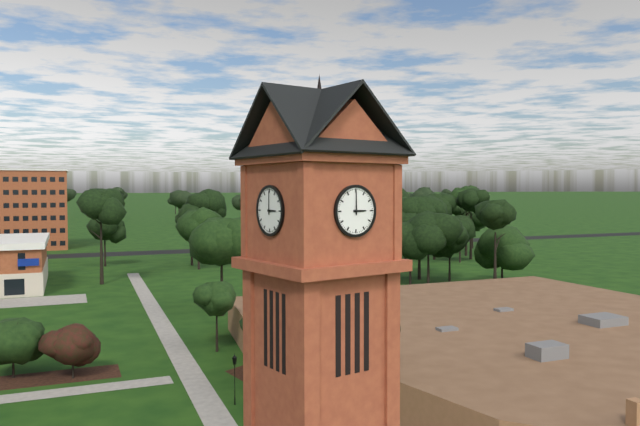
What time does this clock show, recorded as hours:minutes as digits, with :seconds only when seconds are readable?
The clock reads 3:00
